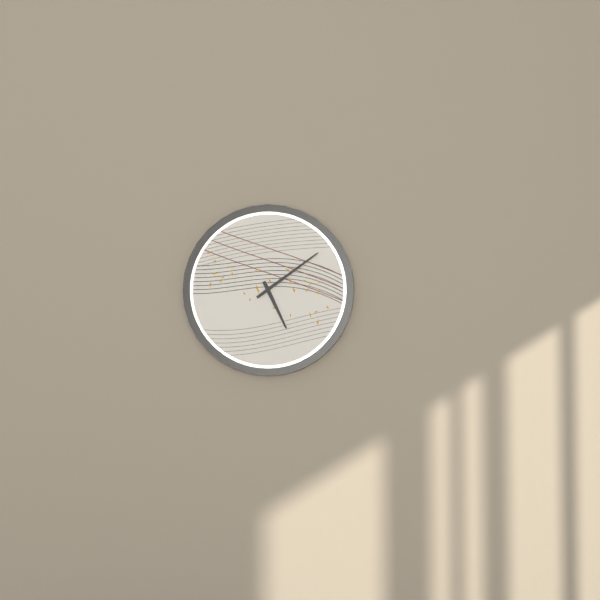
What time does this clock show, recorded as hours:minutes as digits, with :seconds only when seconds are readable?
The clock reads 5:09
